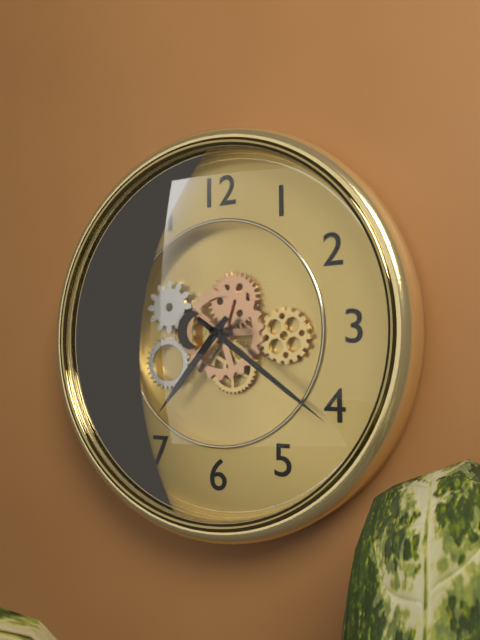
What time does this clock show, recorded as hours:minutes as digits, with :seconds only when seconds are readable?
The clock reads 7:21
